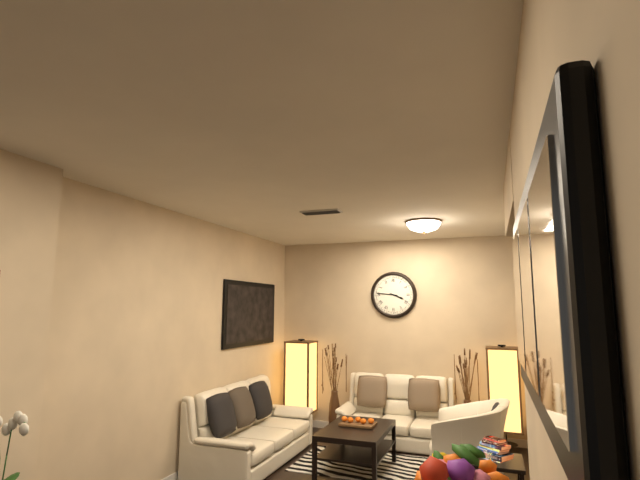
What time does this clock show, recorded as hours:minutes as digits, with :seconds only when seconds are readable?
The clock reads 3:46
